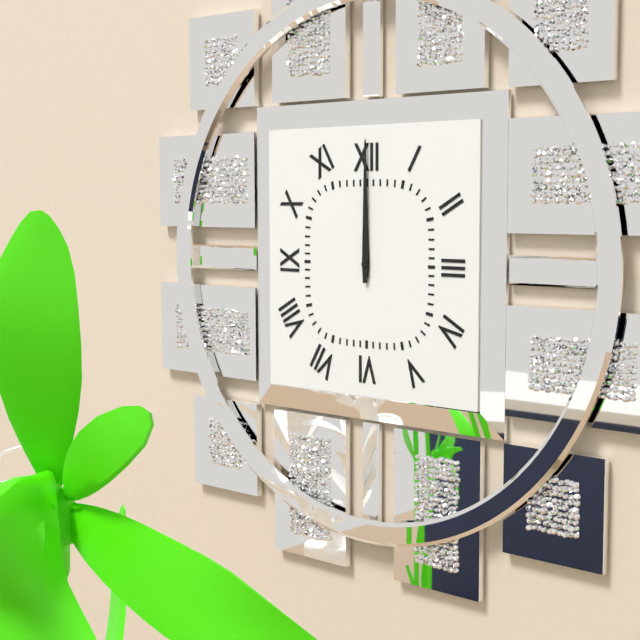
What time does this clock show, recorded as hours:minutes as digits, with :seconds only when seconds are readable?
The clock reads 12:00
